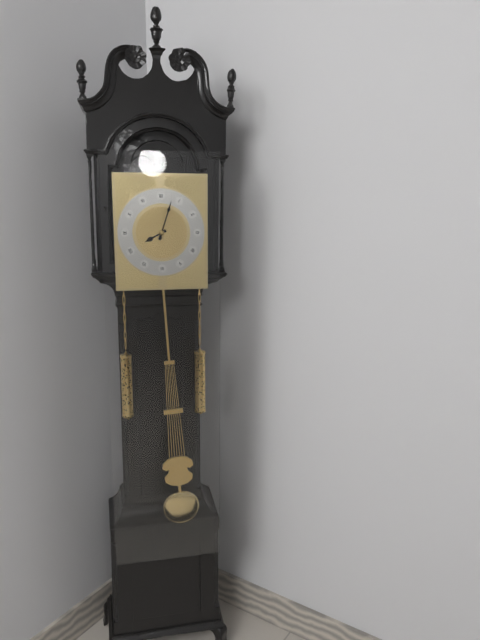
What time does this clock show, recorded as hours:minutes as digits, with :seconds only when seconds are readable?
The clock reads 8:03
